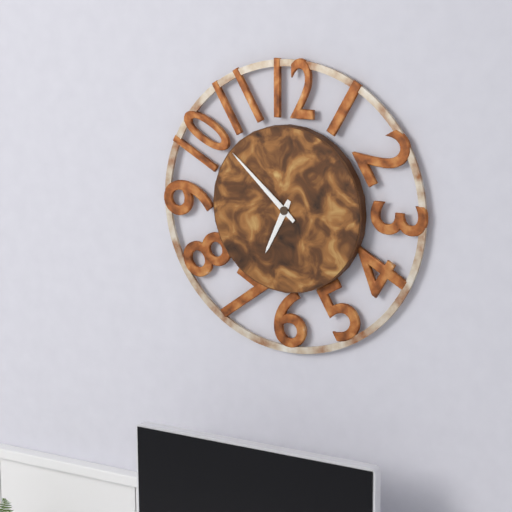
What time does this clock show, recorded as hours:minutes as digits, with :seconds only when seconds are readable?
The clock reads 6:52
